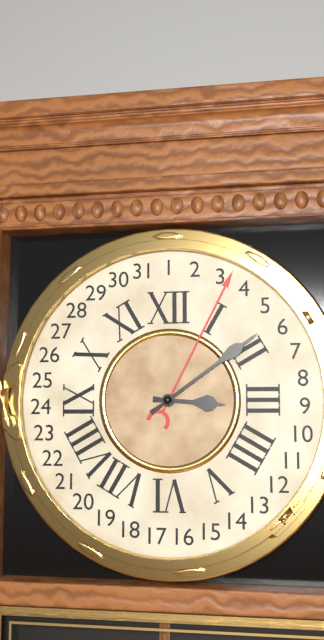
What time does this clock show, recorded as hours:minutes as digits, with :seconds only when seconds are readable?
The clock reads 3:09
